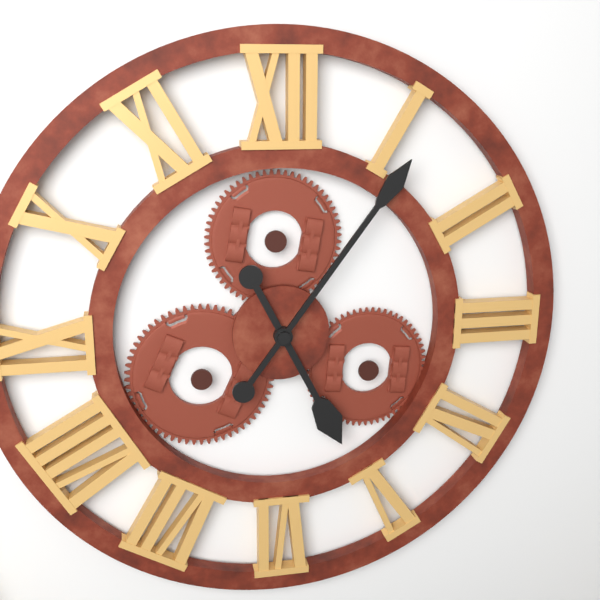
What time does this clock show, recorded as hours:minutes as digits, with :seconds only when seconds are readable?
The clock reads 5:06
